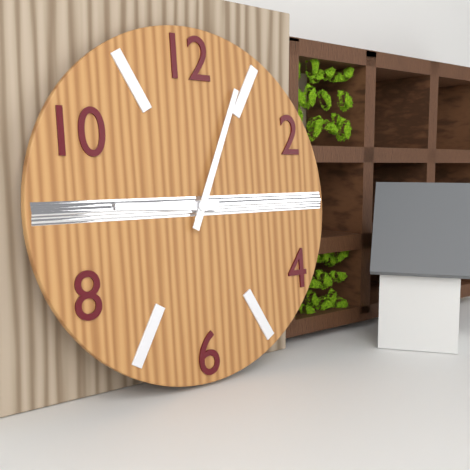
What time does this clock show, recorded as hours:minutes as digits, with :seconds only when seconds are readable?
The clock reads 9:04
